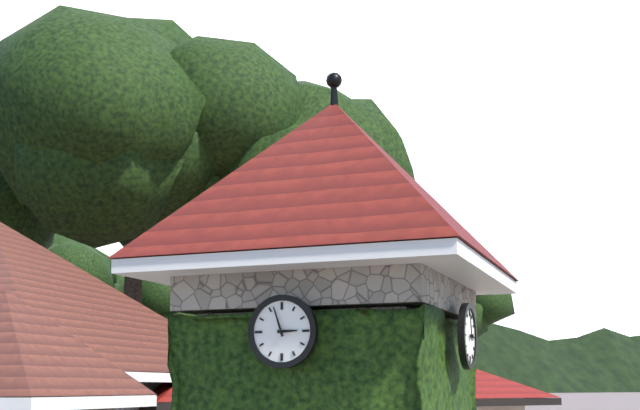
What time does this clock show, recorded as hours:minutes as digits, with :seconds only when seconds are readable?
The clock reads 2:57
